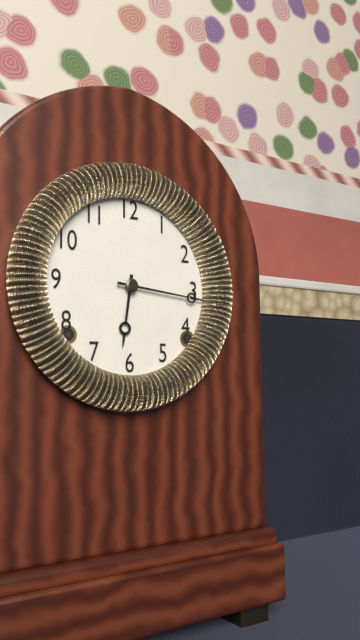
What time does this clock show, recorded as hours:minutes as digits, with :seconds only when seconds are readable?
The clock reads 6:16
